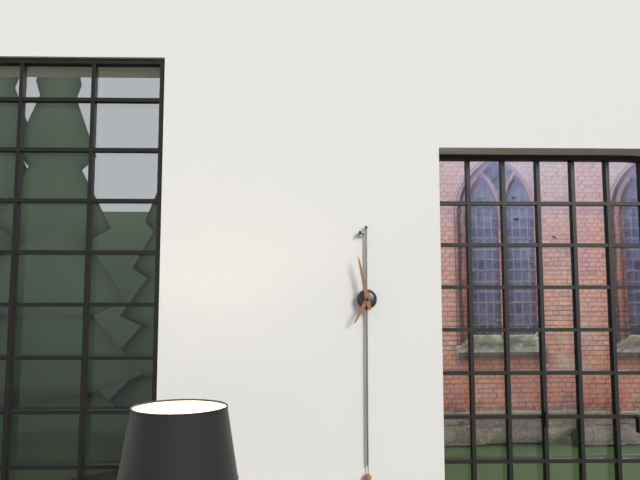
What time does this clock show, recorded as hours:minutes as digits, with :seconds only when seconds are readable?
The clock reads 6:58
